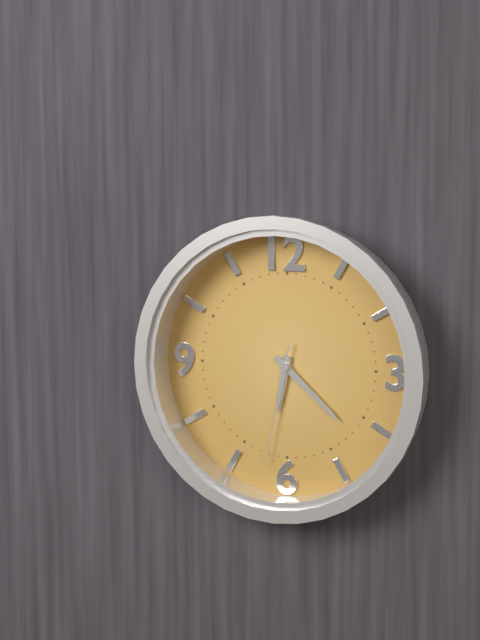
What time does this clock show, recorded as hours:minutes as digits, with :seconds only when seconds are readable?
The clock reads 6:22:32
